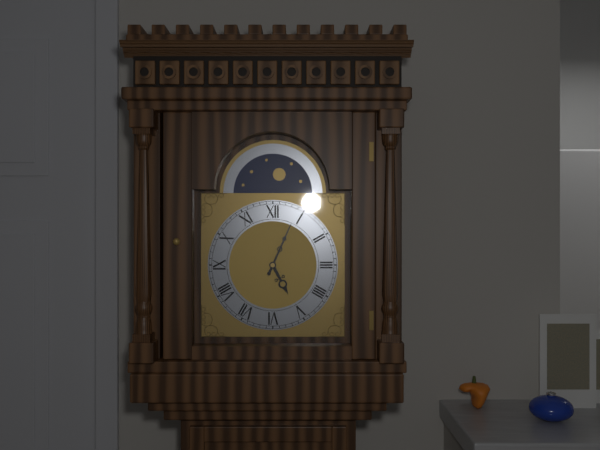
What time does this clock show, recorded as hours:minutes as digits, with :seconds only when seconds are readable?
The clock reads 5:04
